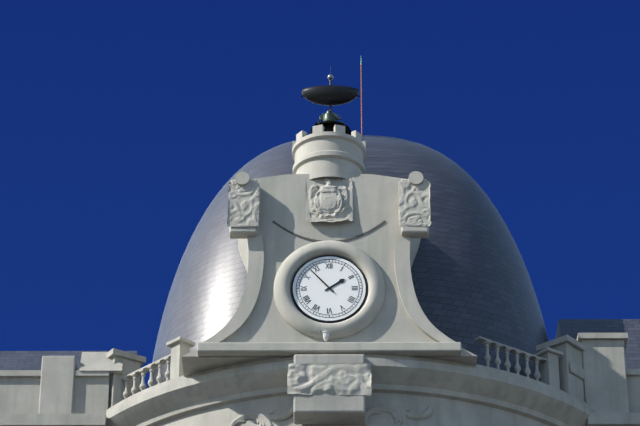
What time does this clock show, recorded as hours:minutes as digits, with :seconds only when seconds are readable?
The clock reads 1:53
